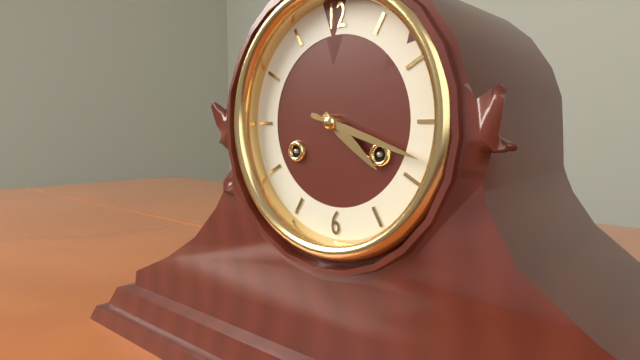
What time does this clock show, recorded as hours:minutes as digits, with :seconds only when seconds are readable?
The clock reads 4:18
